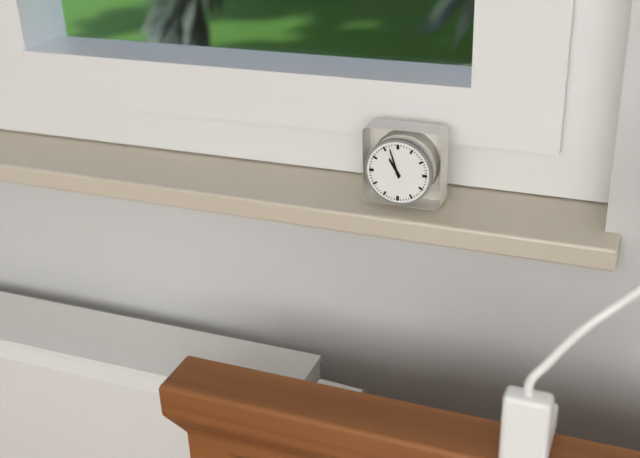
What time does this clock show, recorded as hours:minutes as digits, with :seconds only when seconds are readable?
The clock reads 10:57
